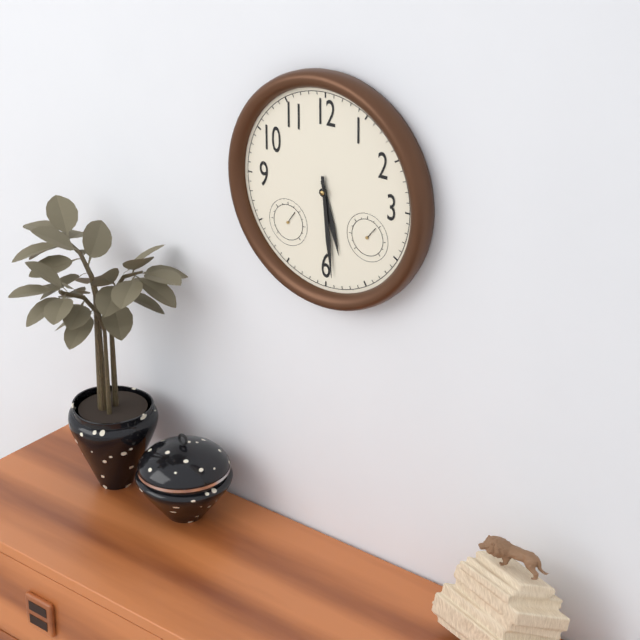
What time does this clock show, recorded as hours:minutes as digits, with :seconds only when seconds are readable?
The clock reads 5:29
